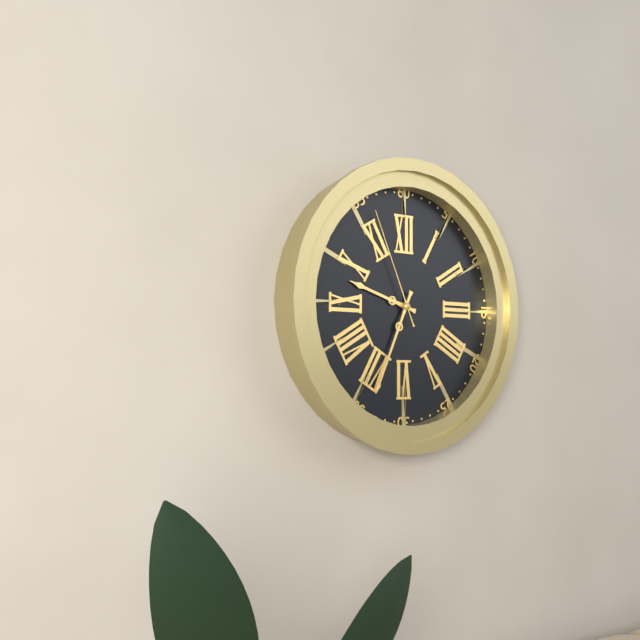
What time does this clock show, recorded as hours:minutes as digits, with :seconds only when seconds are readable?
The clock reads 9:34:56
